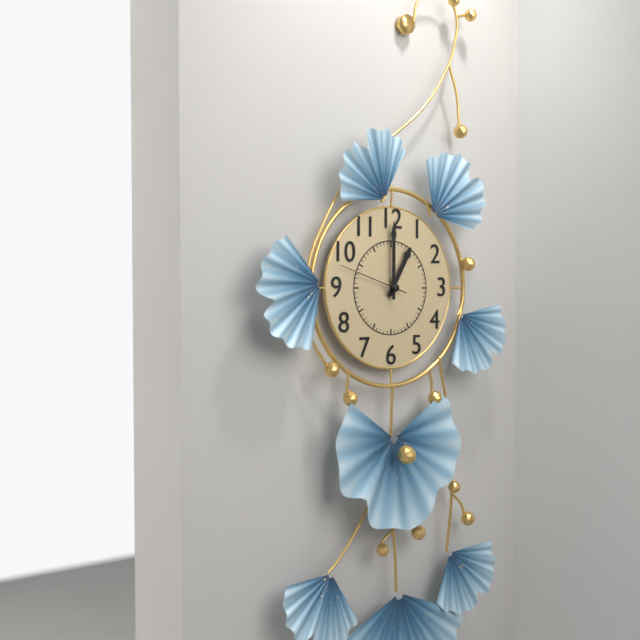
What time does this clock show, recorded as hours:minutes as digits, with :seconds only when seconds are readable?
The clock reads 1:00:48
